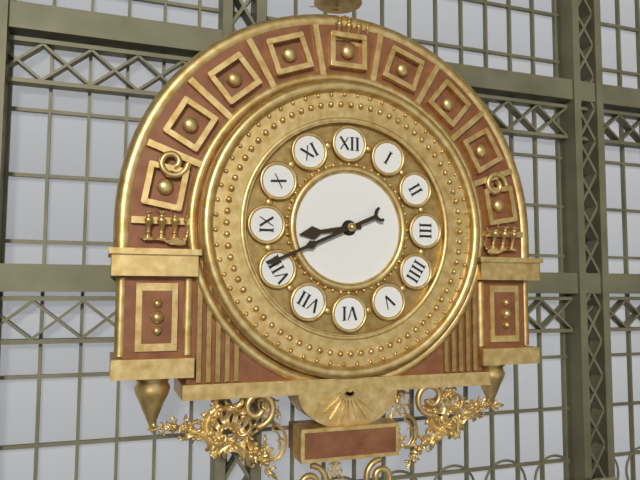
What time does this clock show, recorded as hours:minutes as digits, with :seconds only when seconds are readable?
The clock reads 8:41
